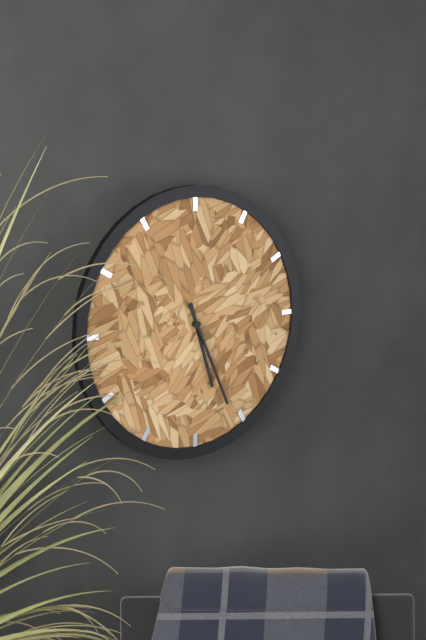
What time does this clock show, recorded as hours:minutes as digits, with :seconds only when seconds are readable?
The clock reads 5:26
